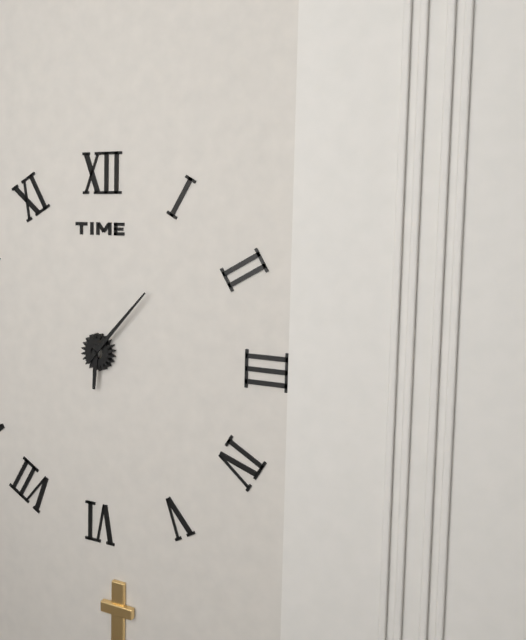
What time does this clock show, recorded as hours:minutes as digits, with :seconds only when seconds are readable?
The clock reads 6:07
